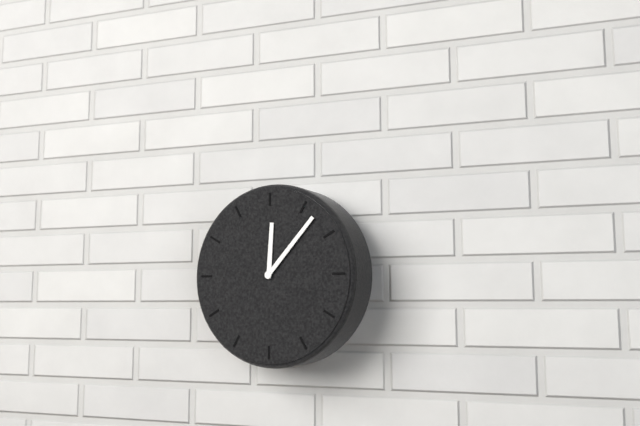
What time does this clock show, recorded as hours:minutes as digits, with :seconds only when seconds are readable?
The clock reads 12:07
